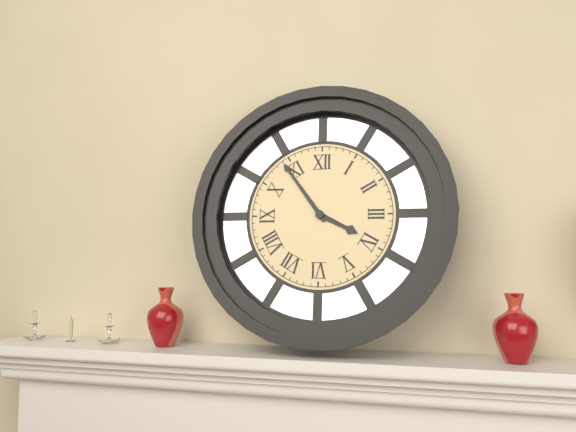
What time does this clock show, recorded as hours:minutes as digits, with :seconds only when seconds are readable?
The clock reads 3:54
